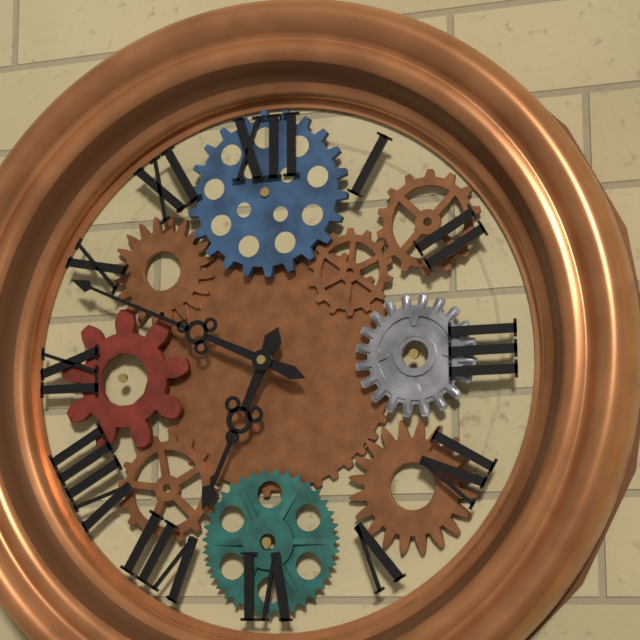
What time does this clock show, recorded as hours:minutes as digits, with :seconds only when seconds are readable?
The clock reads 6:49
